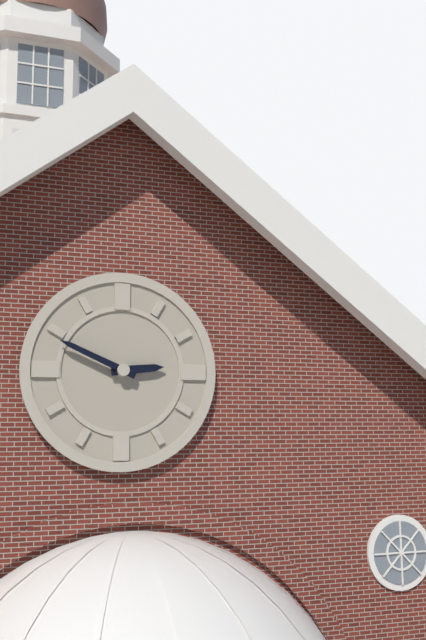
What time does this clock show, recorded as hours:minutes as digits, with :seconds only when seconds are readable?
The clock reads 2:49
